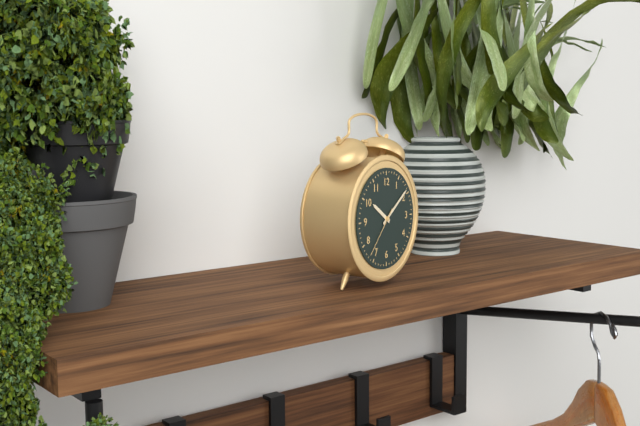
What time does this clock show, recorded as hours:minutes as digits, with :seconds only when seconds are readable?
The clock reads 10:09:37
